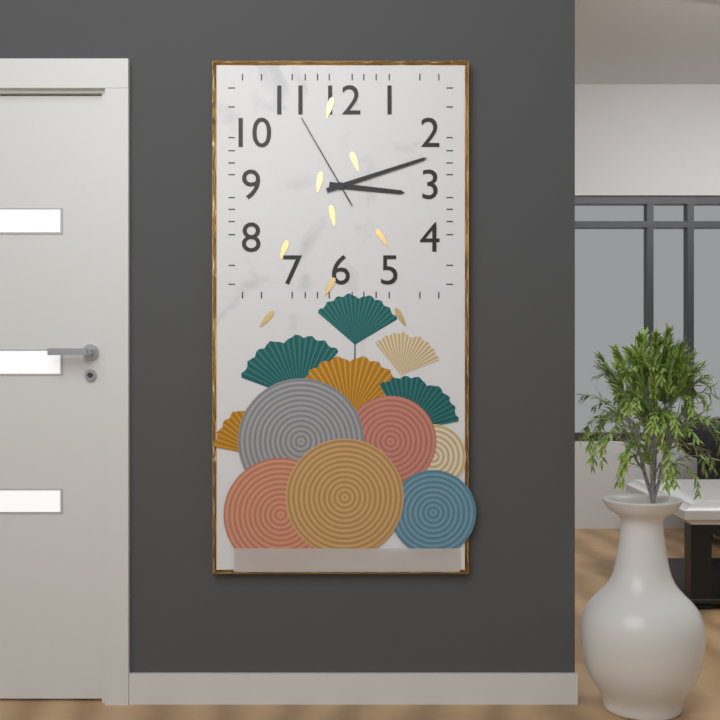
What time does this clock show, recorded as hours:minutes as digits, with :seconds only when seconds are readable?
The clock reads 3:12:55
